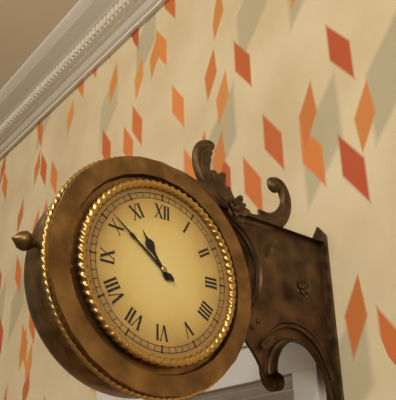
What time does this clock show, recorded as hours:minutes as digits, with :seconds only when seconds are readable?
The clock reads 10:51
